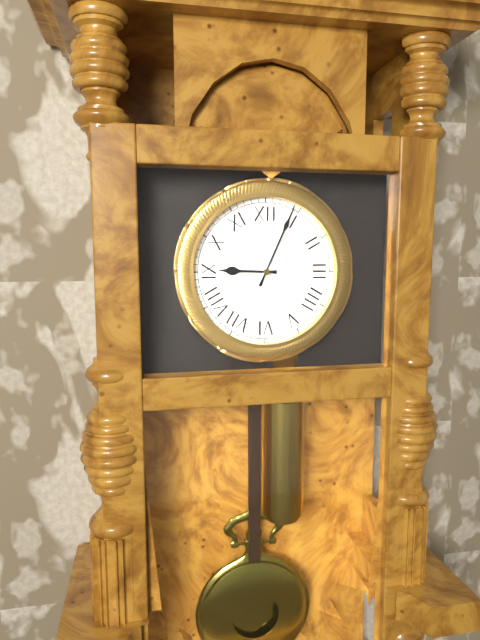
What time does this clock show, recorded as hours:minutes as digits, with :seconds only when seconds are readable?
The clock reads 9:04
